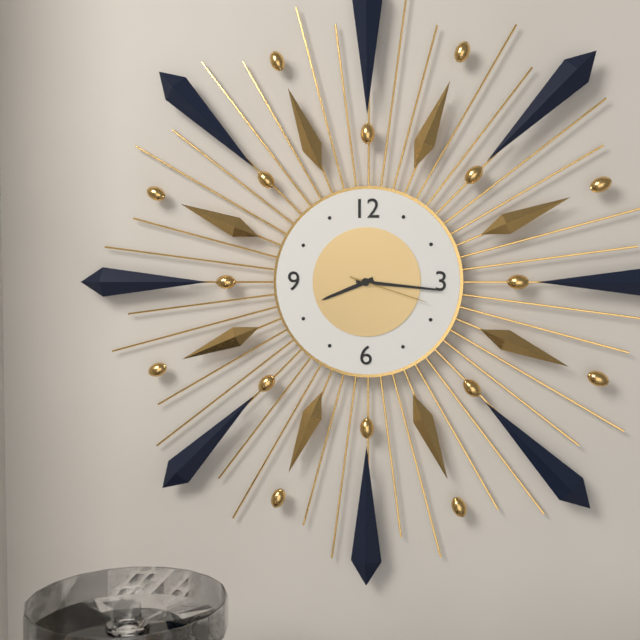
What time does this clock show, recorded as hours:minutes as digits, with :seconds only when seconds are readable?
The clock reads 8:16:18
